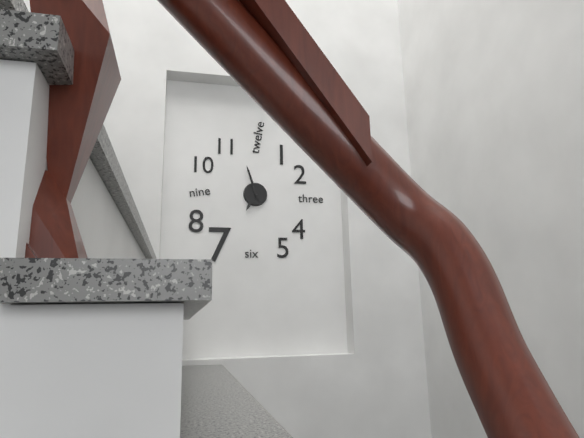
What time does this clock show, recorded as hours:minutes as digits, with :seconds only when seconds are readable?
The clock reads 6:57
